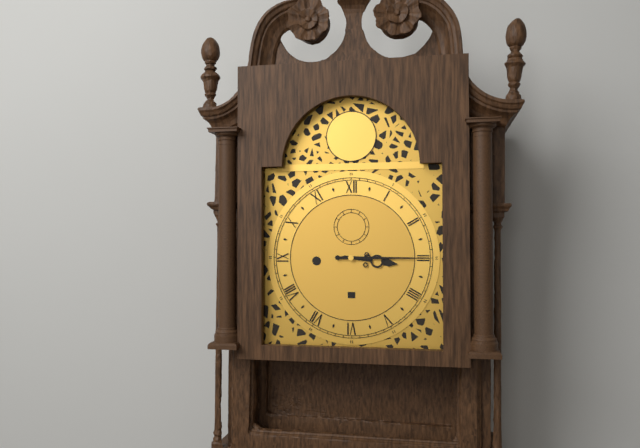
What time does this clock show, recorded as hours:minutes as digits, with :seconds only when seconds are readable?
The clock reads 3:15
